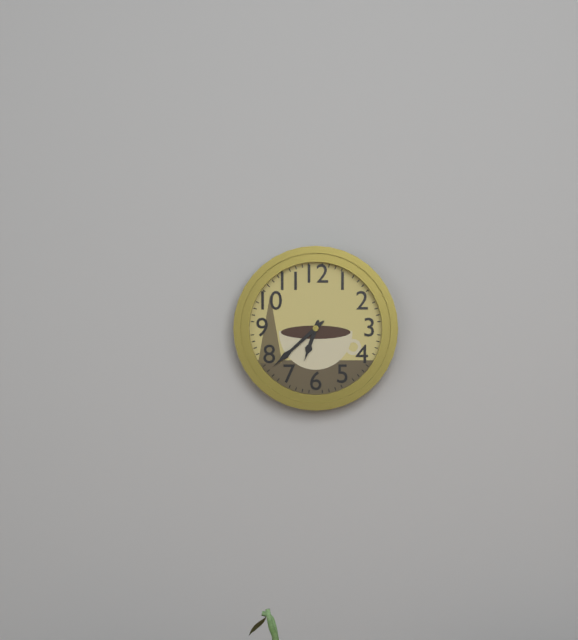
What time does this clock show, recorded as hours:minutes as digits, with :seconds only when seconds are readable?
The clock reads 6:38
